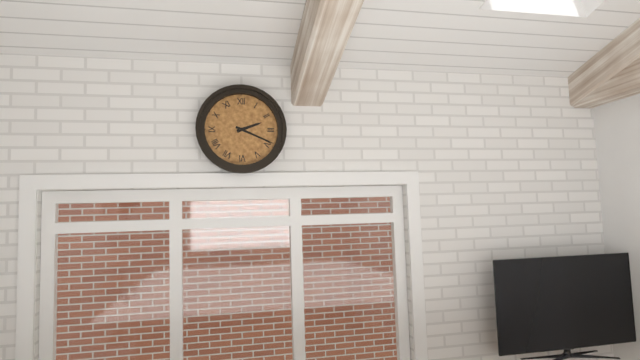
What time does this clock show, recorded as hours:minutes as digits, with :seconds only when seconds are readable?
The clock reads 2:19
